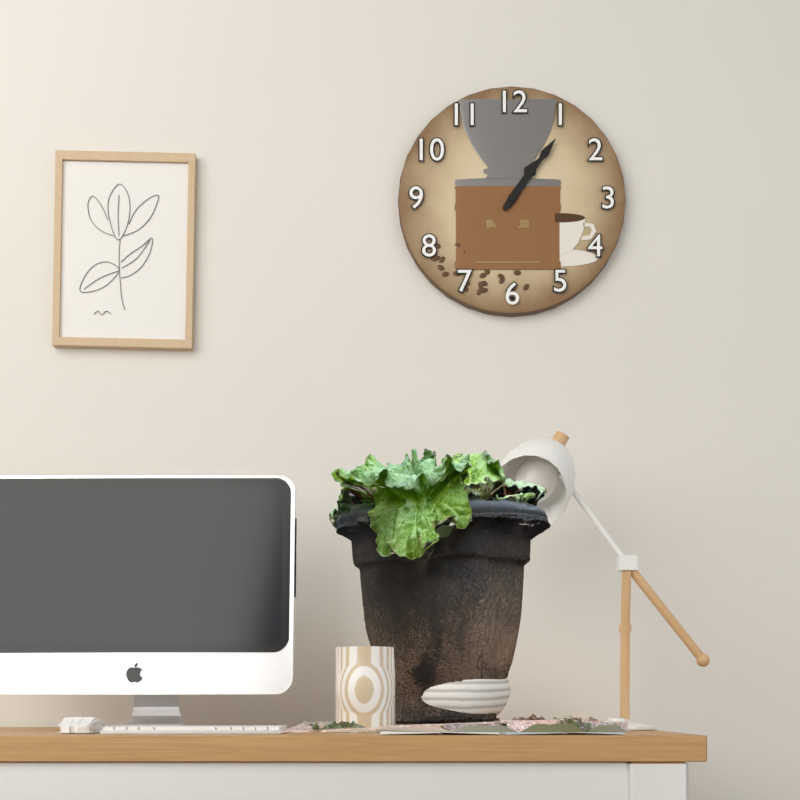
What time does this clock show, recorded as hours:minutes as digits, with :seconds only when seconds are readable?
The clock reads 1:06
